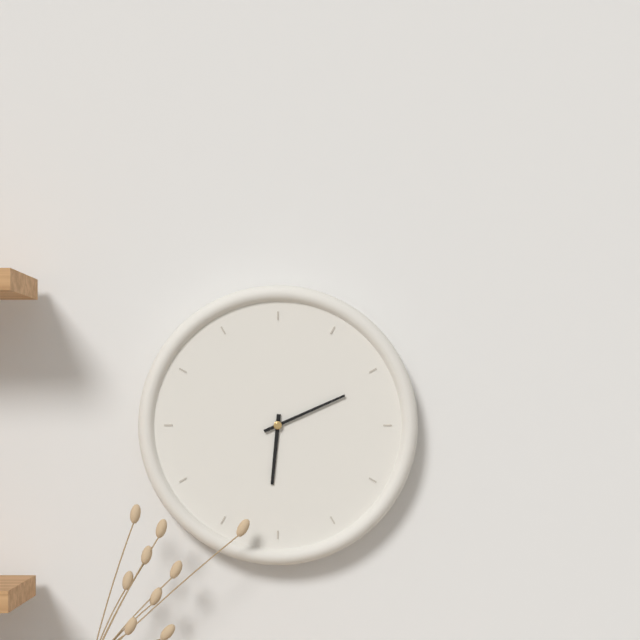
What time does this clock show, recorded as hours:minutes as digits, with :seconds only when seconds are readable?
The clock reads 6:11
